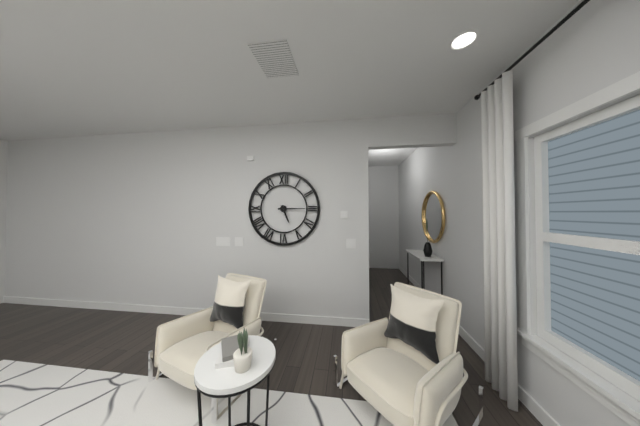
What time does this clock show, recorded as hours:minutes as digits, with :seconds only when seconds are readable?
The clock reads 5:15
